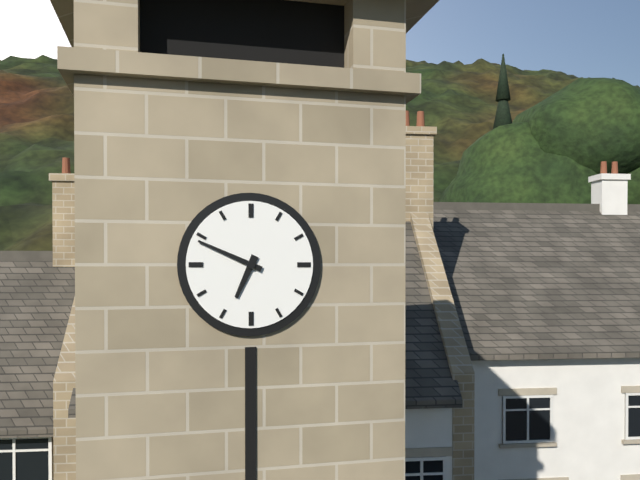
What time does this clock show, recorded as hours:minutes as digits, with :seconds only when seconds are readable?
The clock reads 6:49
